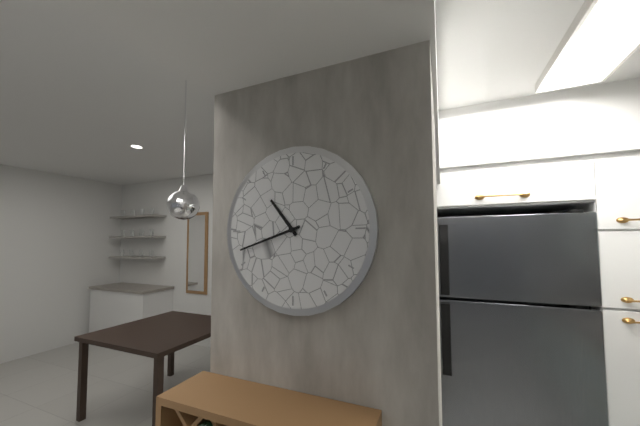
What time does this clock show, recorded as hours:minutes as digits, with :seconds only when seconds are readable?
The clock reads 10:42
